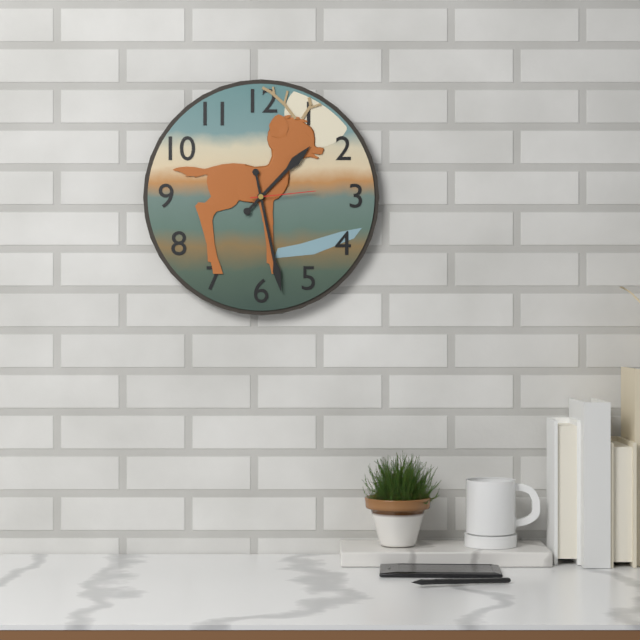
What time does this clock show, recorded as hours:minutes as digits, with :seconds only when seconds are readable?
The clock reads 1:28:14
